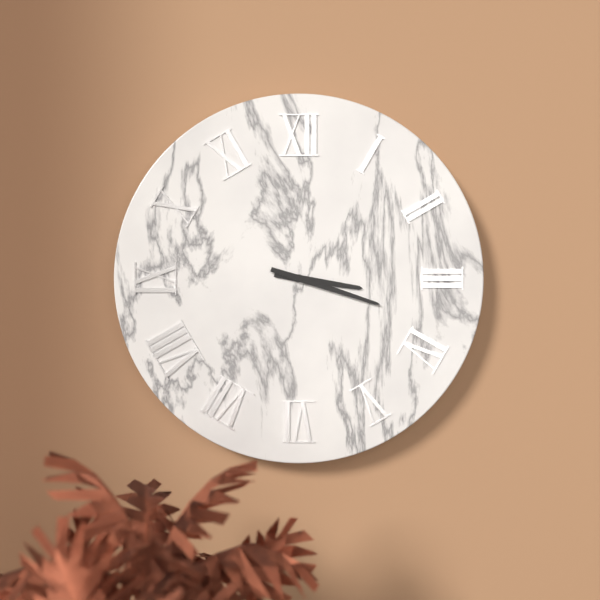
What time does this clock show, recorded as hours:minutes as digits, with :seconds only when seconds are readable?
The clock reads 3:18
